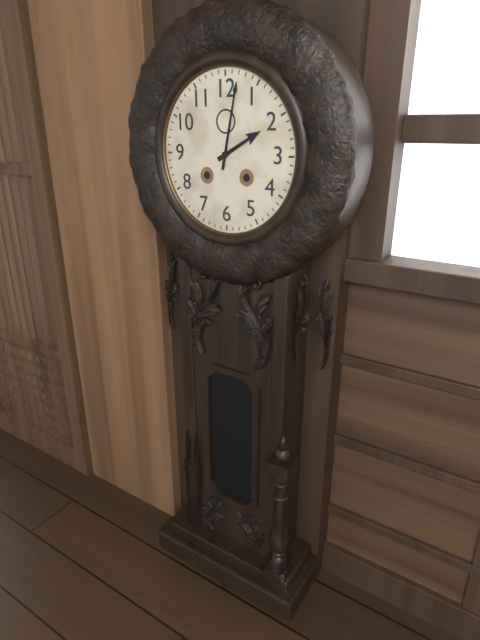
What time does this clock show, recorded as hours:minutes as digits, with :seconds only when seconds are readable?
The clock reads 2:02
